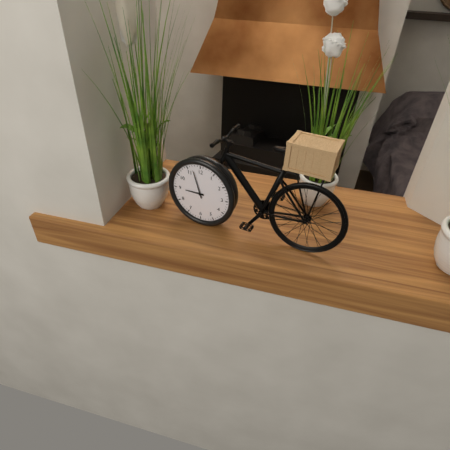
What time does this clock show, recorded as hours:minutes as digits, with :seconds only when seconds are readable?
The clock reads 8:57
